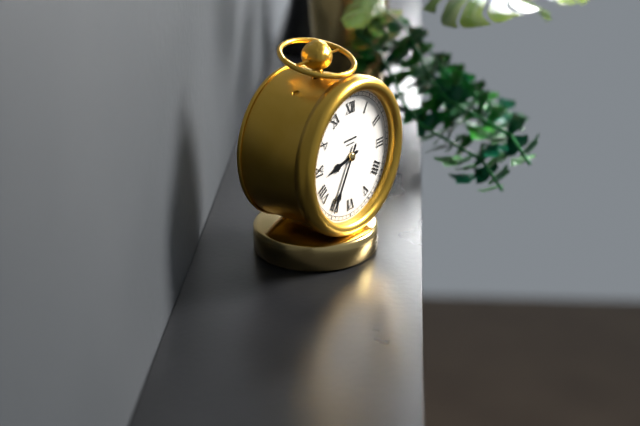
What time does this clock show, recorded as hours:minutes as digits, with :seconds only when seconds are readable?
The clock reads 8:35
